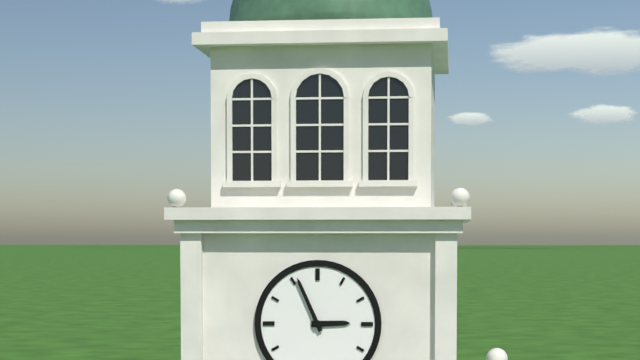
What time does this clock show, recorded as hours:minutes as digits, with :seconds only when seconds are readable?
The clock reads 2:56
